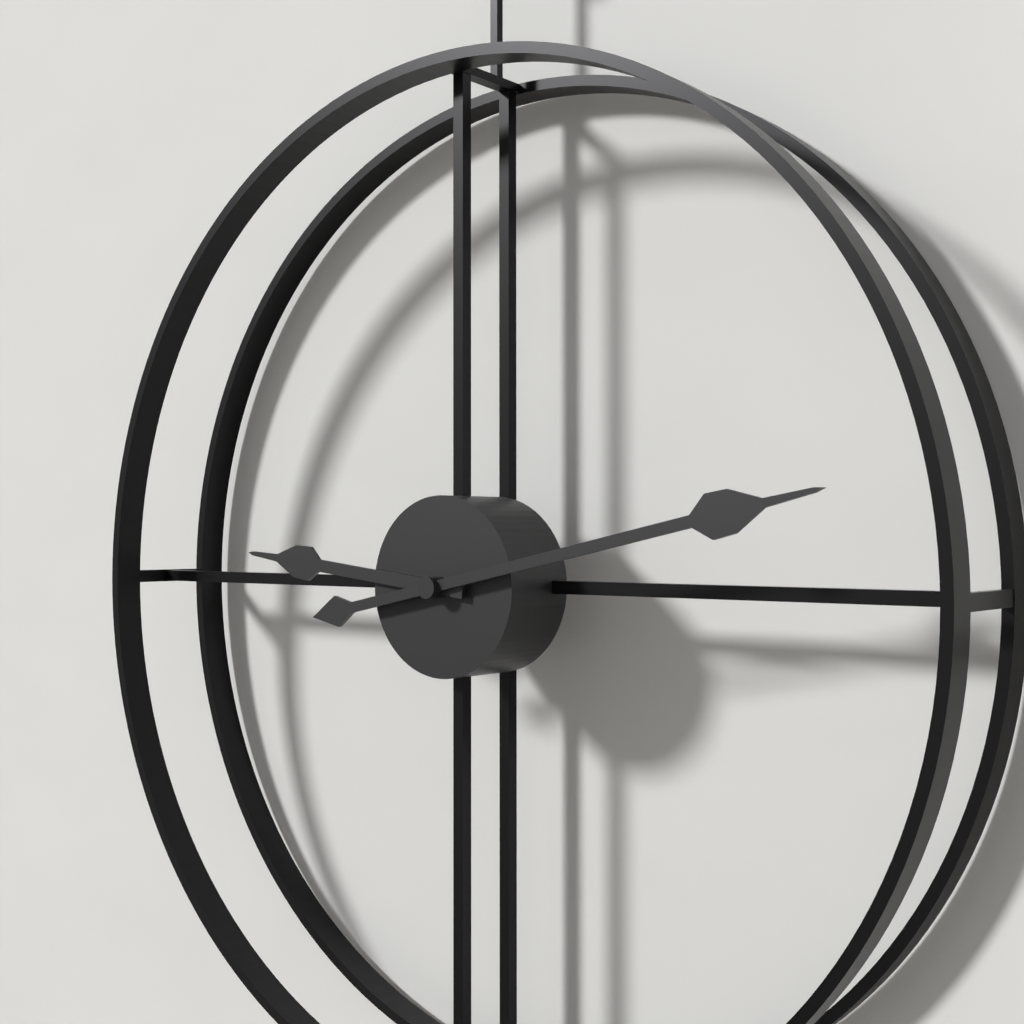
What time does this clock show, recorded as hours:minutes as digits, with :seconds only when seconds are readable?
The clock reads 9:13
